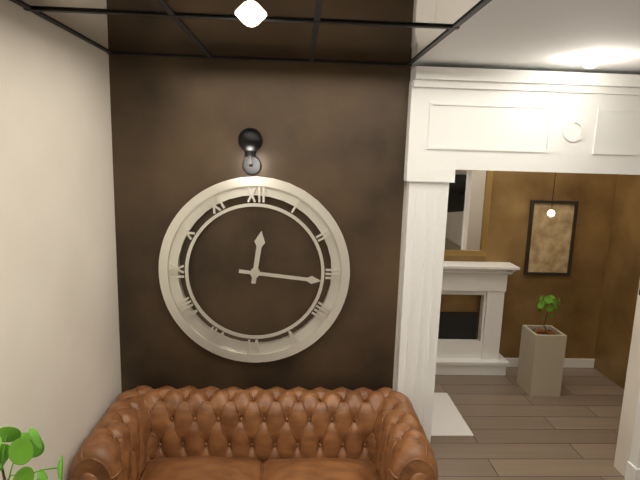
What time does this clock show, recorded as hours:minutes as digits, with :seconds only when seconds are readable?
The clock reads 12:16
